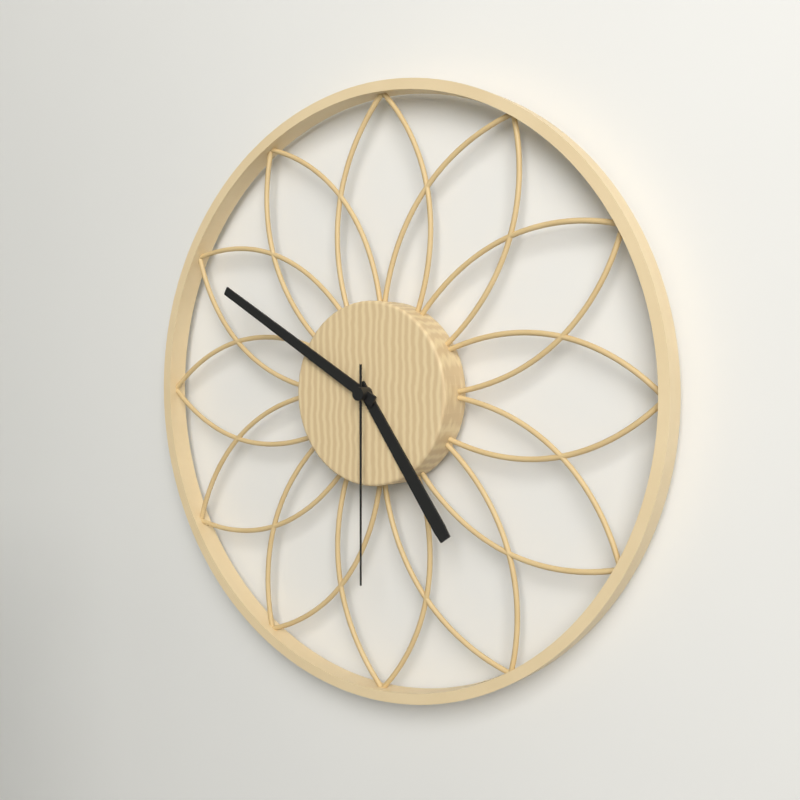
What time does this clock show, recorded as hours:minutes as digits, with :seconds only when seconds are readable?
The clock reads 4:50:30
